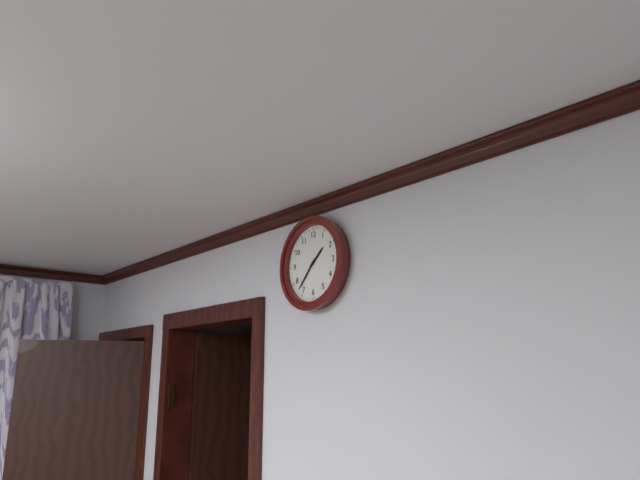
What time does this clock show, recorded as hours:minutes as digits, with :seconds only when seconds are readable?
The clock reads 1:37
